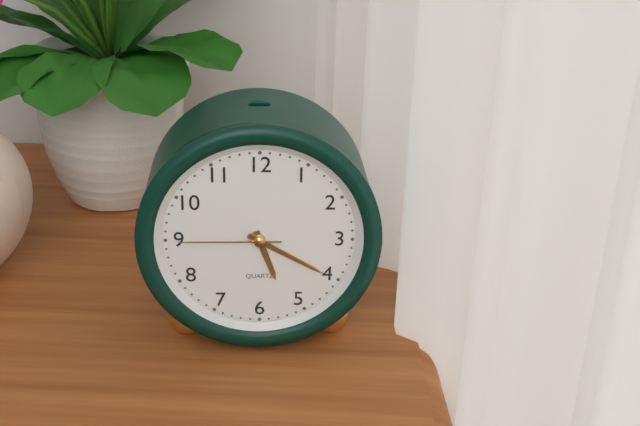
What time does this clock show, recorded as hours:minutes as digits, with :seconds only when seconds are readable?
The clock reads 5:20:45
